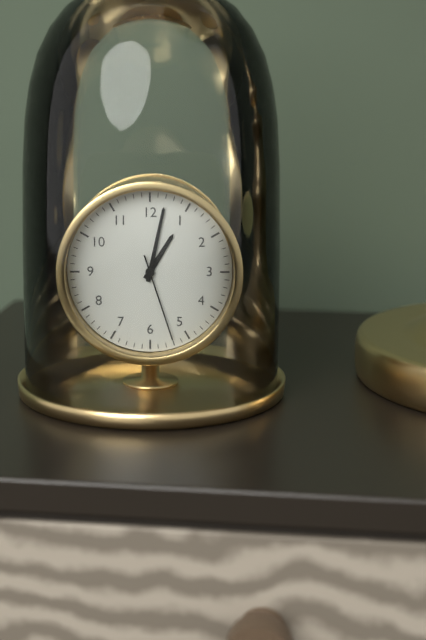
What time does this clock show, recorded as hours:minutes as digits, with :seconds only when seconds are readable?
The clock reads 1:02:27
